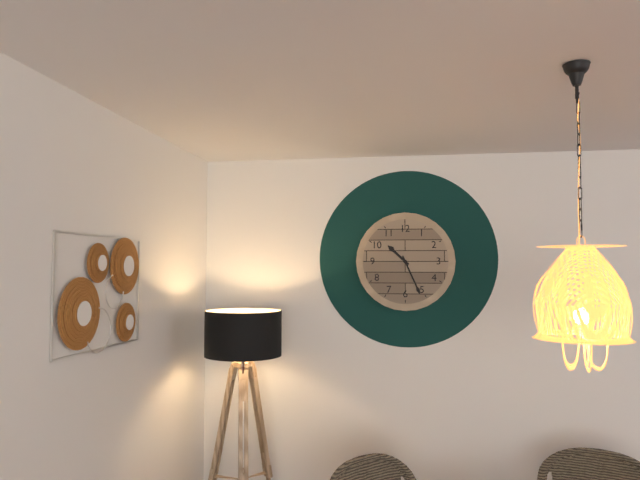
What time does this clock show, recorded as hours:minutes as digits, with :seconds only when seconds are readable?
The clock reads 10:26
